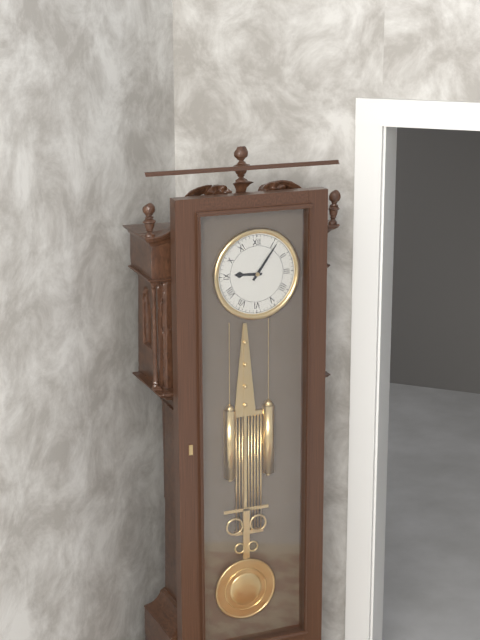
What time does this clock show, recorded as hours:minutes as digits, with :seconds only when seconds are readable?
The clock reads 9:06
